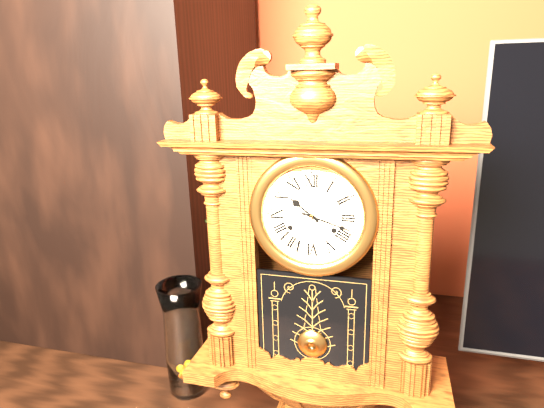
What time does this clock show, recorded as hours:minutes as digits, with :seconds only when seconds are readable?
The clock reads 10:18
